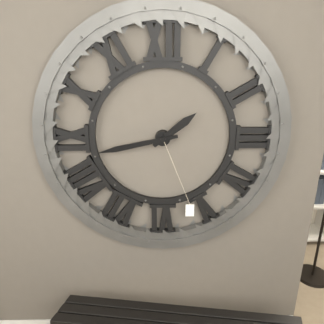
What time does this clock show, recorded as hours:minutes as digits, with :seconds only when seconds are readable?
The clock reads 1:43
